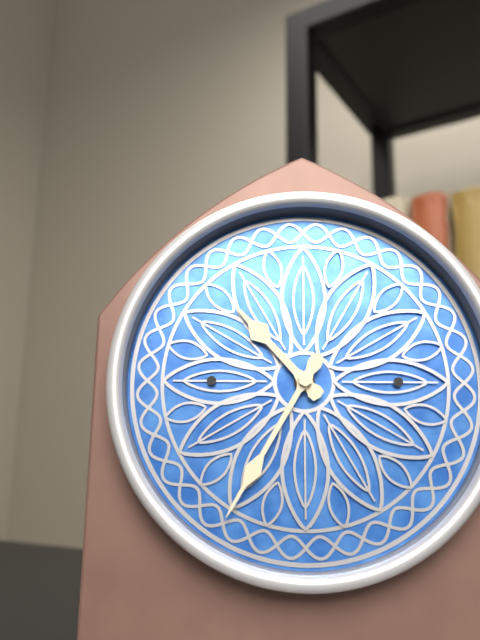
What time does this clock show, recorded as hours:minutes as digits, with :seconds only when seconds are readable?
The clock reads 10:35
